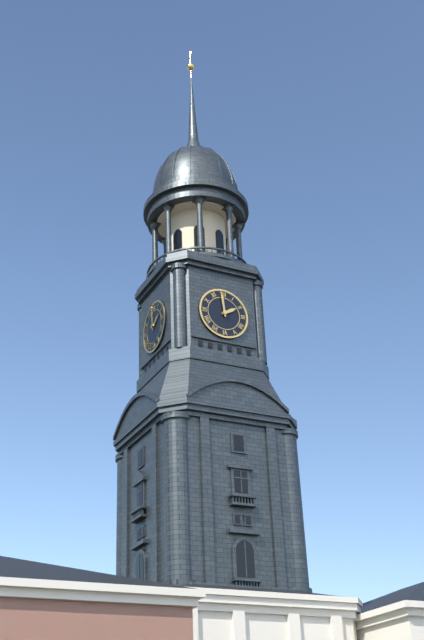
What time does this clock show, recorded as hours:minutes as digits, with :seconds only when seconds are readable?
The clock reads 1:59
